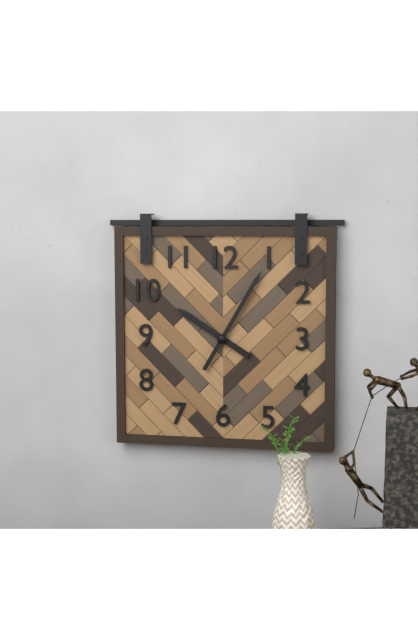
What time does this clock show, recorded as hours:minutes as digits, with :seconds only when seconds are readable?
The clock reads 10:05
